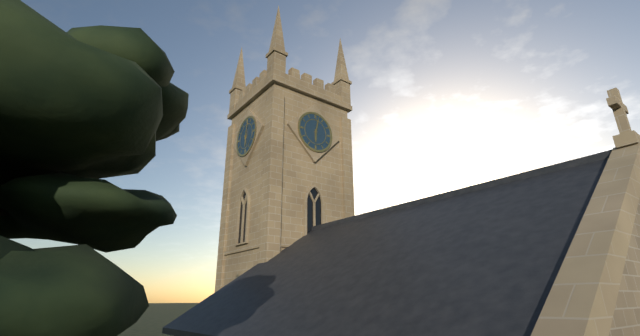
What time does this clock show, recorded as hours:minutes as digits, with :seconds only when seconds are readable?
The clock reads 6:02
